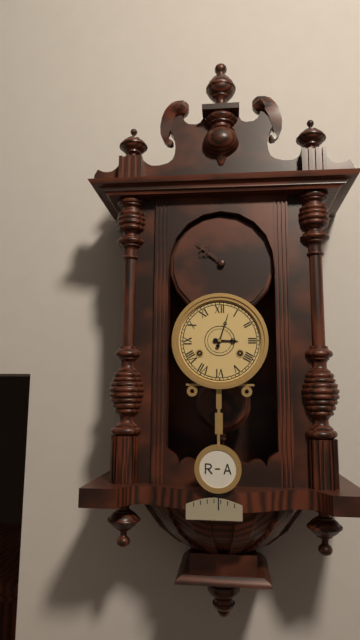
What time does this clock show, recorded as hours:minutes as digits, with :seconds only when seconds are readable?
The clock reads 3:03
